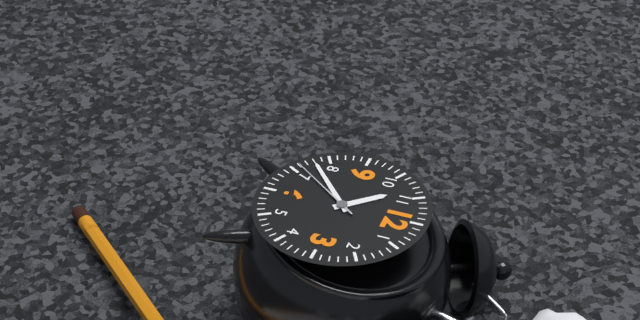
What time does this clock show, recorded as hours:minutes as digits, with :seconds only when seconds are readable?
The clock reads 10:38:36
